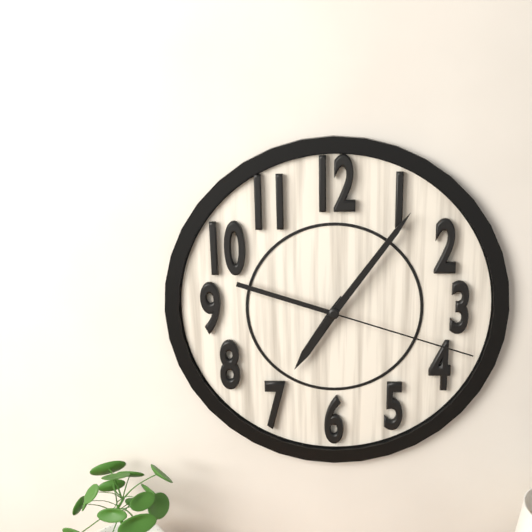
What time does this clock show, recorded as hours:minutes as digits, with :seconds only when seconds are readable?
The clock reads 7:06:18
